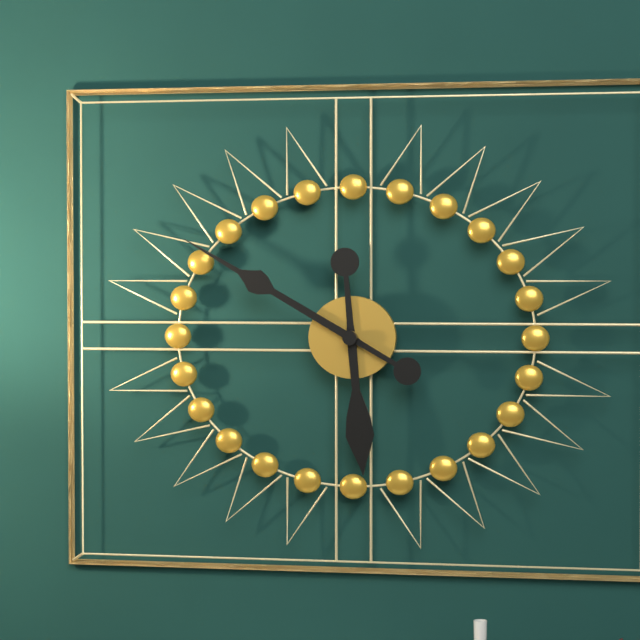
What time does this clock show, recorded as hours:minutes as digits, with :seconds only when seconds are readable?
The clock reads 5:50
